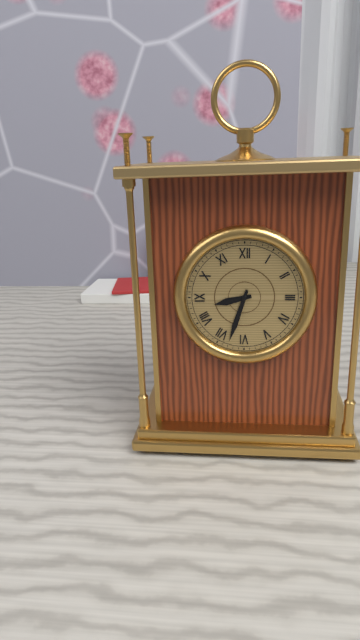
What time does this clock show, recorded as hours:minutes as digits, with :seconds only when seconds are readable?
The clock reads 8:33
